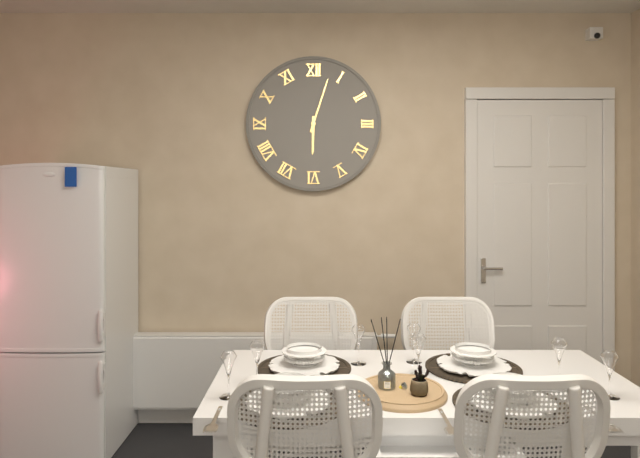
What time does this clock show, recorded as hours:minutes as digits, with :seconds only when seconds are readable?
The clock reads 6:03
